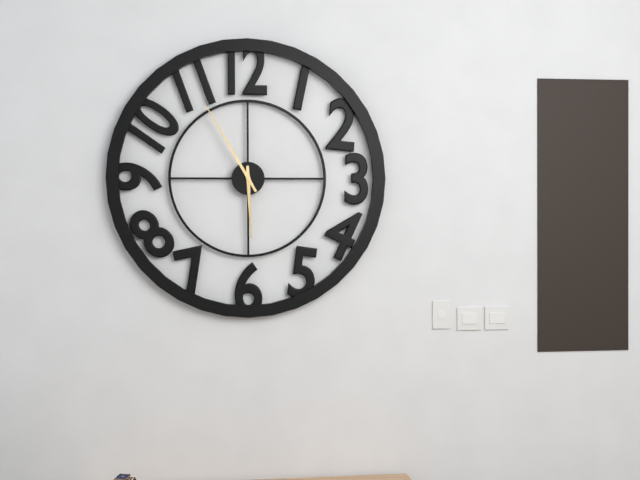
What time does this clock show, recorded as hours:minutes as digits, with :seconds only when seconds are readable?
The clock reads 5:55
